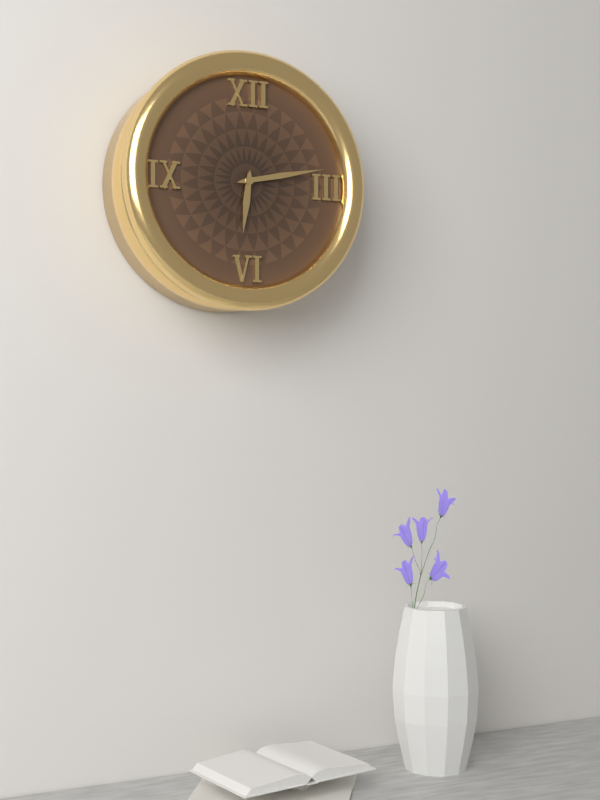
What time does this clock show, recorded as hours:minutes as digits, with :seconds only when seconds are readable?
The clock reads 6:13
